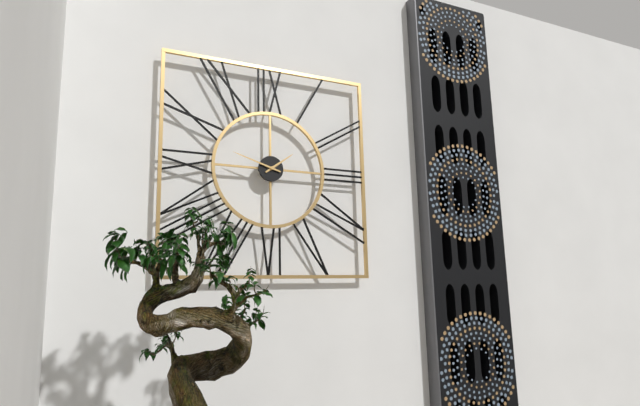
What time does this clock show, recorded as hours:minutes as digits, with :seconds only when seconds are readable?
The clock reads 1:48
